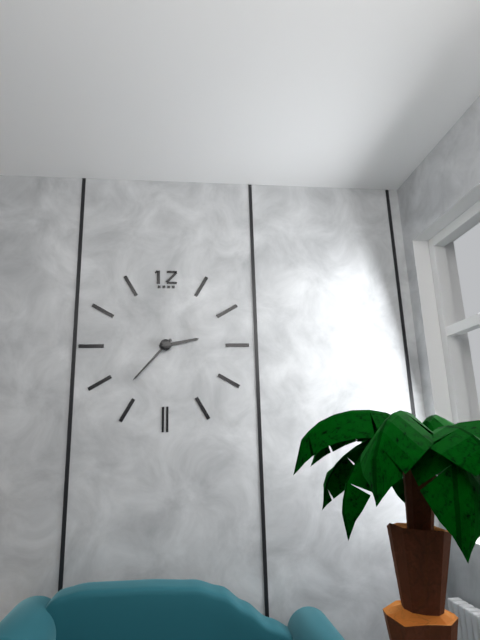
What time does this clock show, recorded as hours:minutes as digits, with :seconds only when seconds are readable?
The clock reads 2:37
